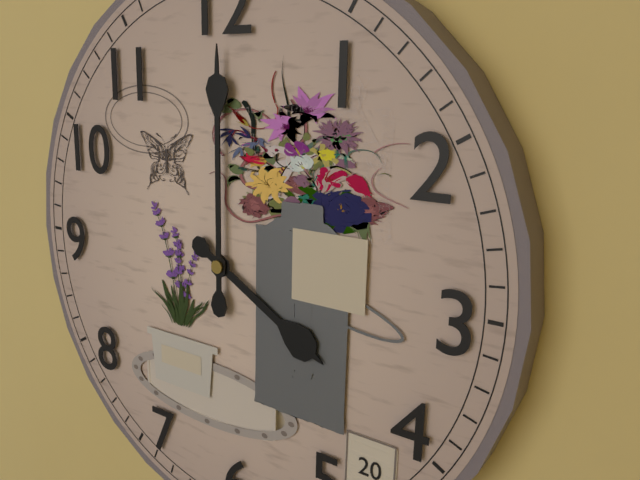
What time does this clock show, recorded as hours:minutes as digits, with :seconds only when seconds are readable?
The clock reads 4:00
